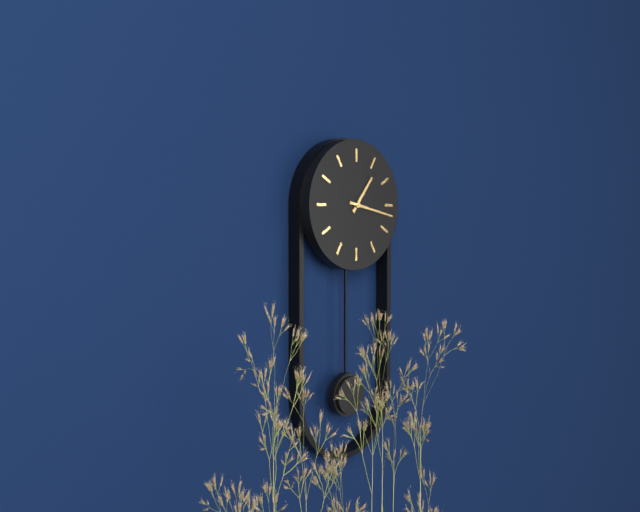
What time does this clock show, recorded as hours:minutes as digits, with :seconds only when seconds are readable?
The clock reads 1:17
